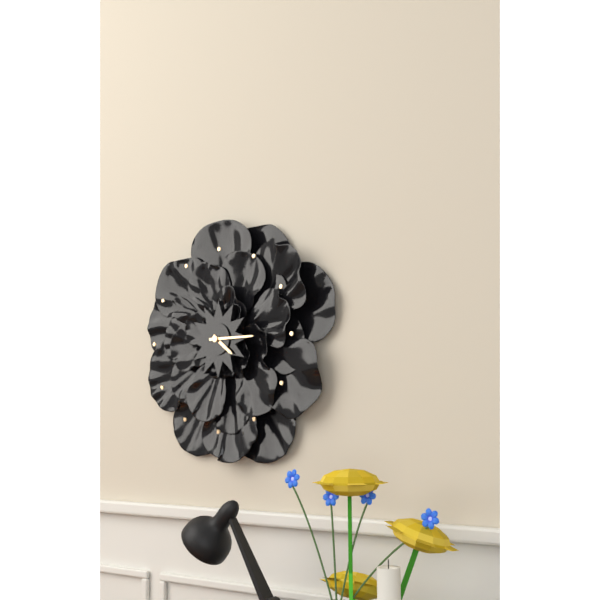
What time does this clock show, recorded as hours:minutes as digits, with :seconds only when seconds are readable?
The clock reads 4:15
